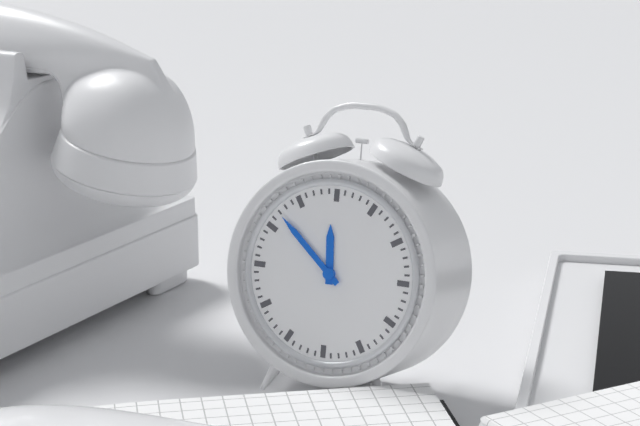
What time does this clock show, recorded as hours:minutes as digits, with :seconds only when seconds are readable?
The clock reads 11:52
